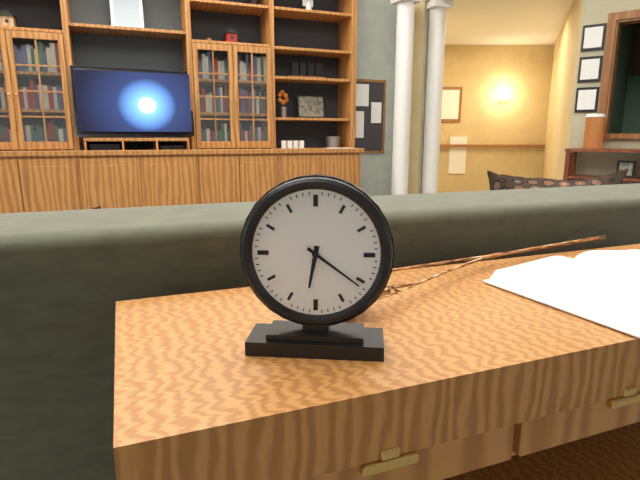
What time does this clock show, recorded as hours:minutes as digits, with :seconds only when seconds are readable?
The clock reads 6:21
